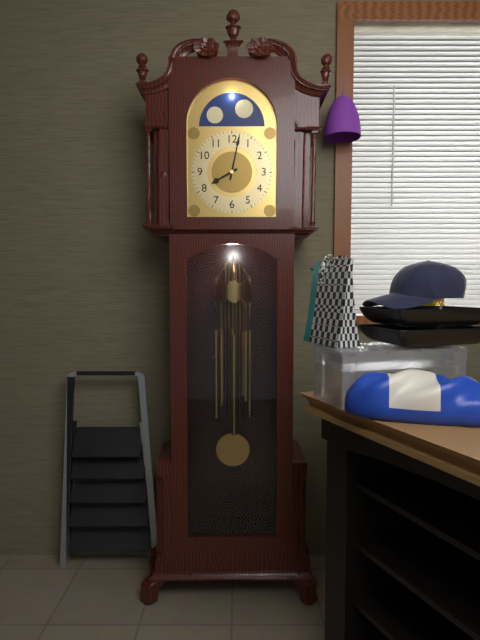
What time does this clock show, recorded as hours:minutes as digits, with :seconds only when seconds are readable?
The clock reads 8:02
